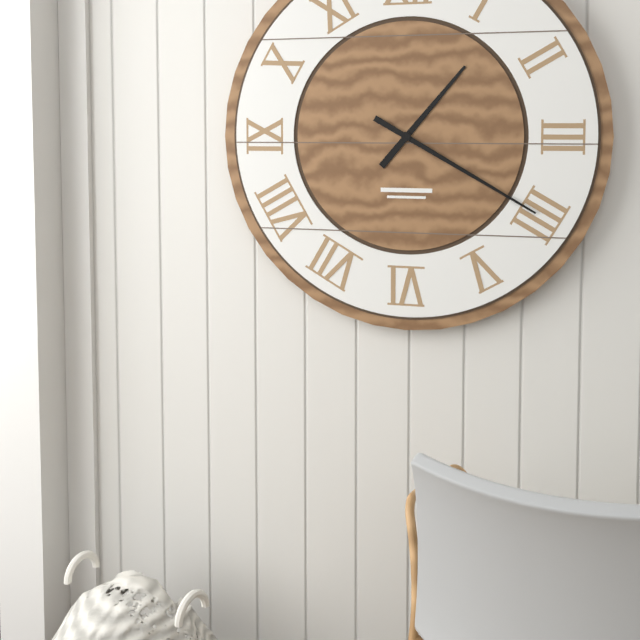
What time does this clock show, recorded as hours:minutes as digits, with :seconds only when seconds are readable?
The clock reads 1:20
